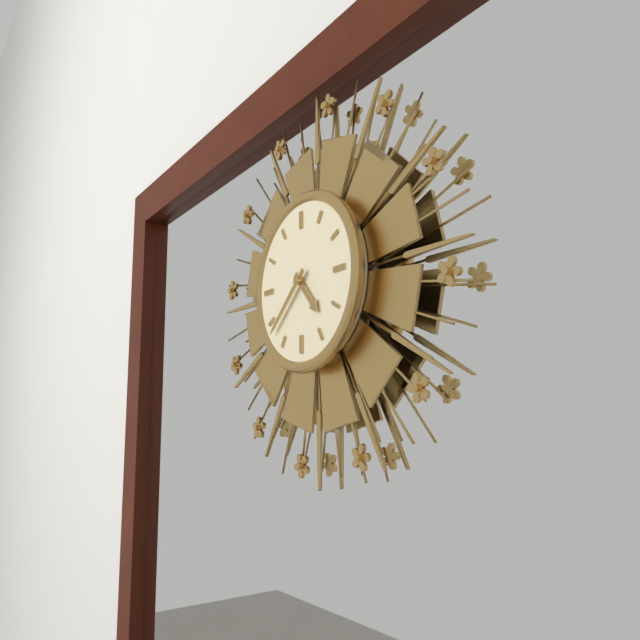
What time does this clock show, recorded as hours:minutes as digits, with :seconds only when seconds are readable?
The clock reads 4:38
